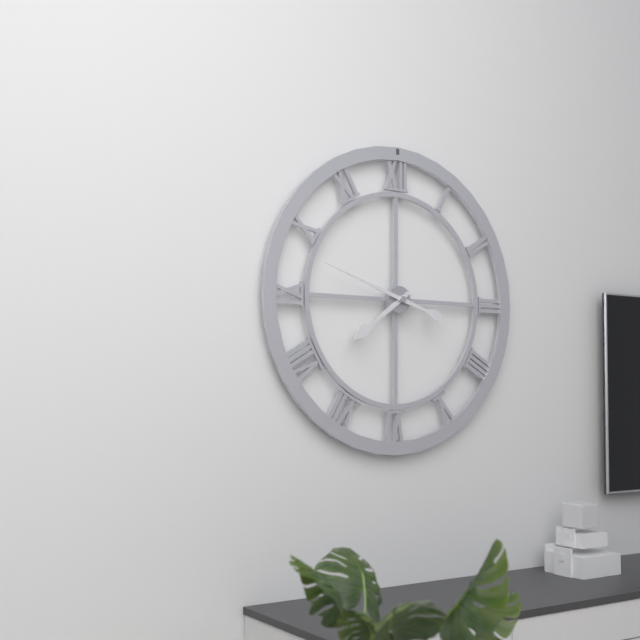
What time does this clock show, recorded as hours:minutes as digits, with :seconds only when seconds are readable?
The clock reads 7:48
